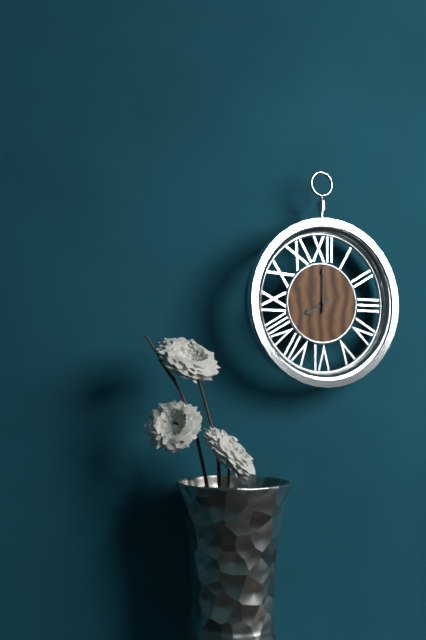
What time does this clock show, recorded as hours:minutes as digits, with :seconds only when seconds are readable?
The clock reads 8:00
